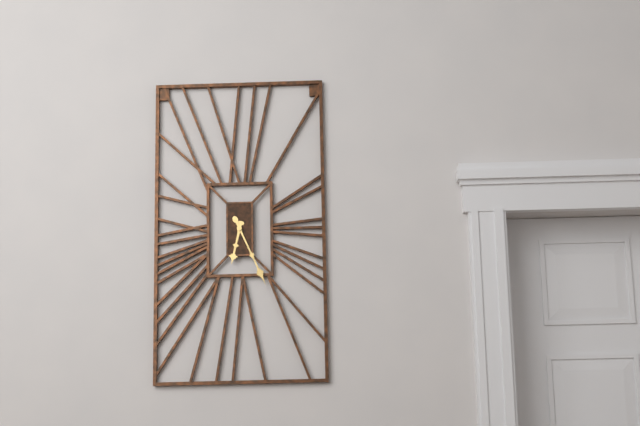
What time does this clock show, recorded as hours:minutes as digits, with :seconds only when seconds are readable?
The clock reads 6:26
